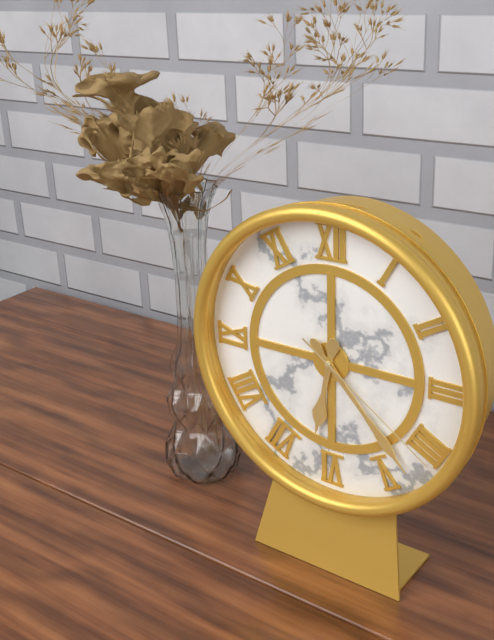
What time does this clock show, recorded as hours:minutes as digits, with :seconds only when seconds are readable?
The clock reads 6:23:21
